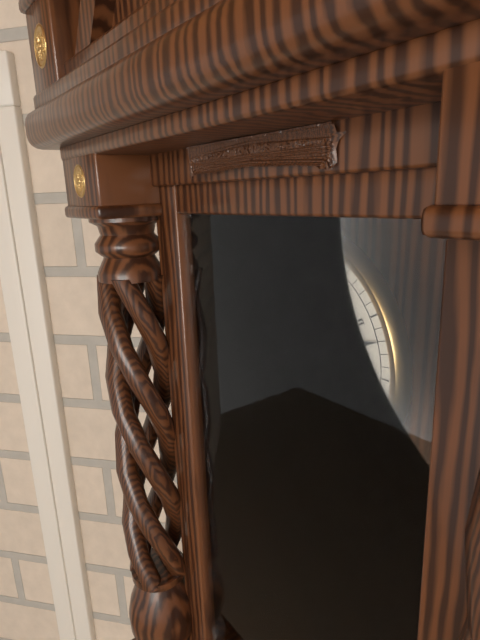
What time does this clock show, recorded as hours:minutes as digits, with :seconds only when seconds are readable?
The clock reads 12:12
